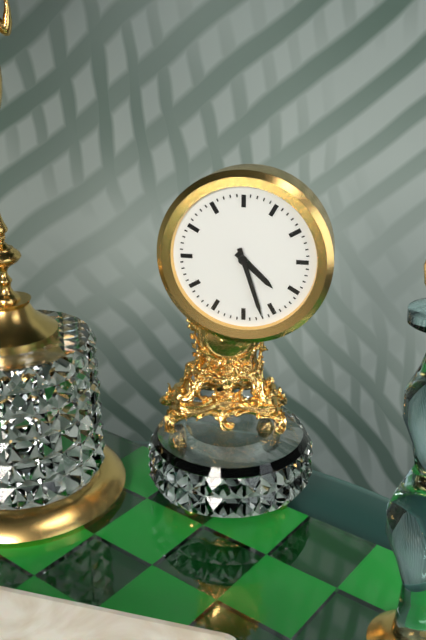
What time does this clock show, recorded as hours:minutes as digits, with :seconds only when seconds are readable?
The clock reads 4:27
